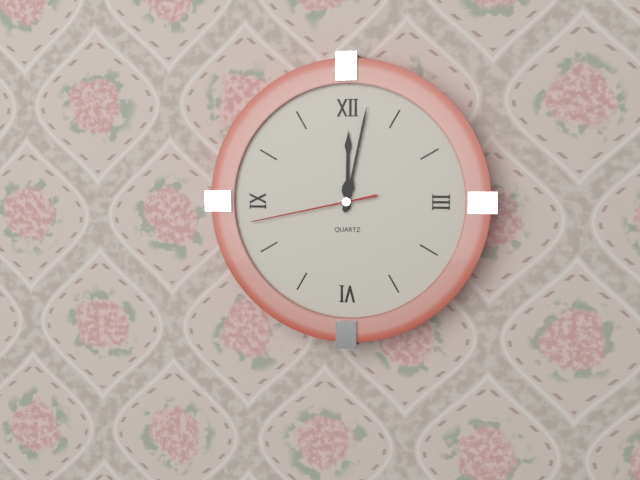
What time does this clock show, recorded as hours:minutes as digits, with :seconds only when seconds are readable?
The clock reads 12:02:43
